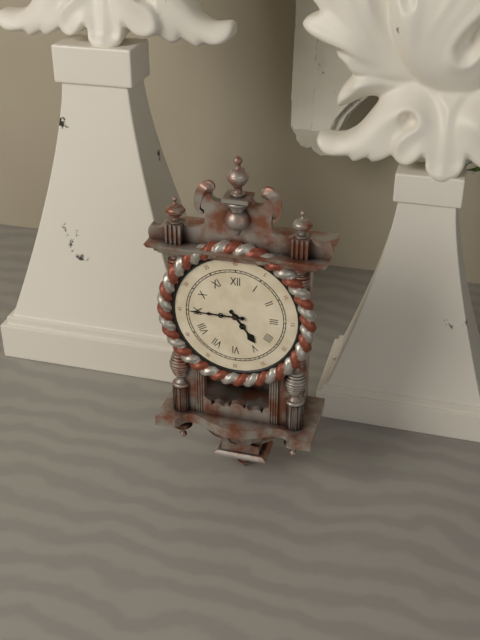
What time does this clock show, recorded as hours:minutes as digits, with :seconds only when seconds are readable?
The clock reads 4:45
